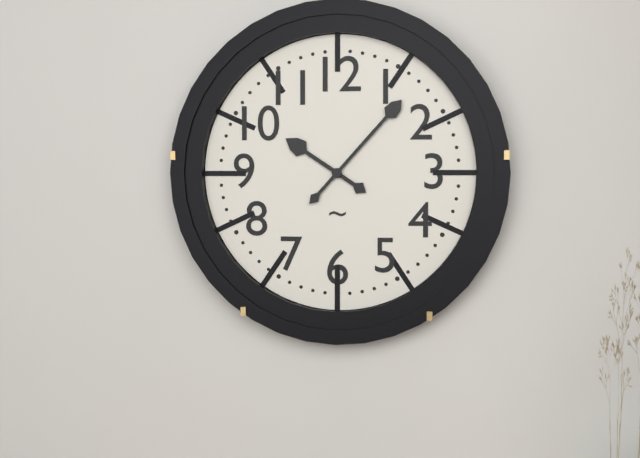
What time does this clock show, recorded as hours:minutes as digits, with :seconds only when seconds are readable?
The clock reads 10:07
